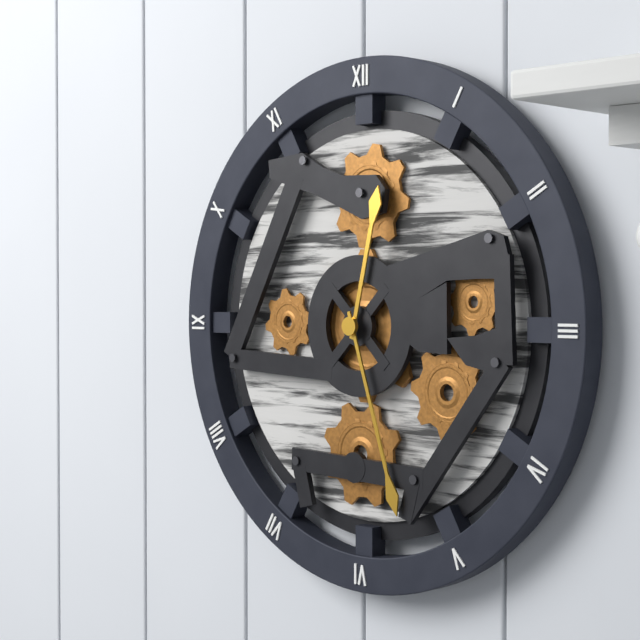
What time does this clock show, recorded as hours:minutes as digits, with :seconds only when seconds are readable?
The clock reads 12:27
